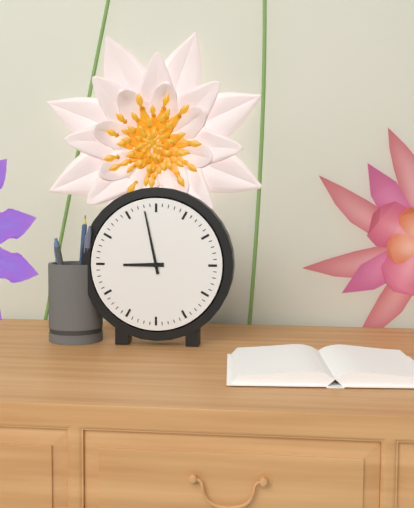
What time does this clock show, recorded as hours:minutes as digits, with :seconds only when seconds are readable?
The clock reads 8:58
